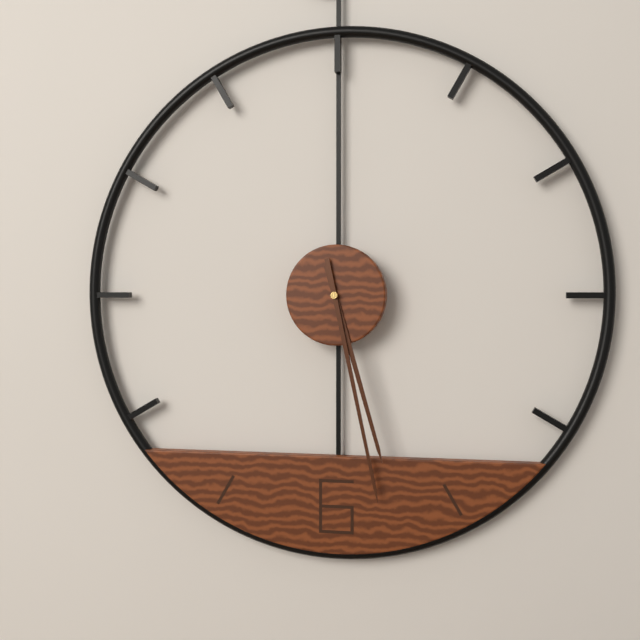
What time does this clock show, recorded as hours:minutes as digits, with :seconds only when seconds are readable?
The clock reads 5:28
